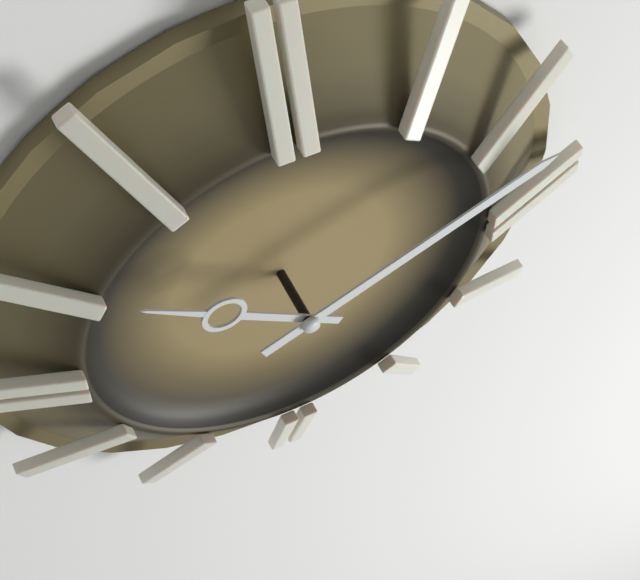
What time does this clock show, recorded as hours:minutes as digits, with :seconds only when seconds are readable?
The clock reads 10:11
